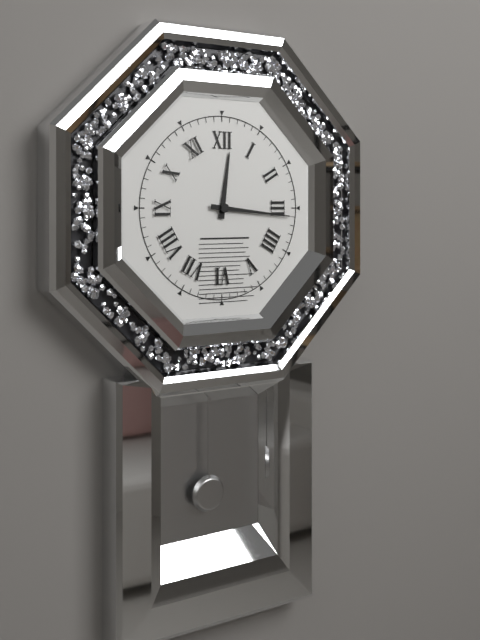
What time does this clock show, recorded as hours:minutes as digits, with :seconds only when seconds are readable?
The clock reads 12:16
